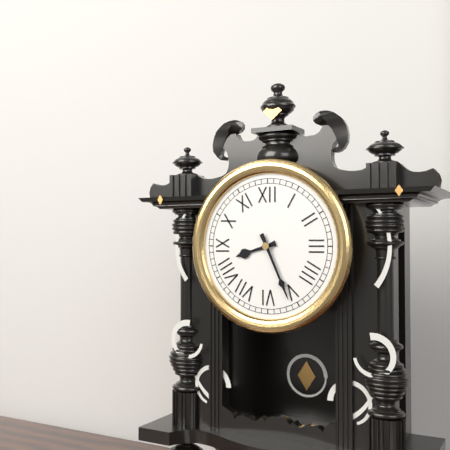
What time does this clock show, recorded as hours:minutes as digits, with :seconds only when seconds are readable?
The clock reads 8:26
